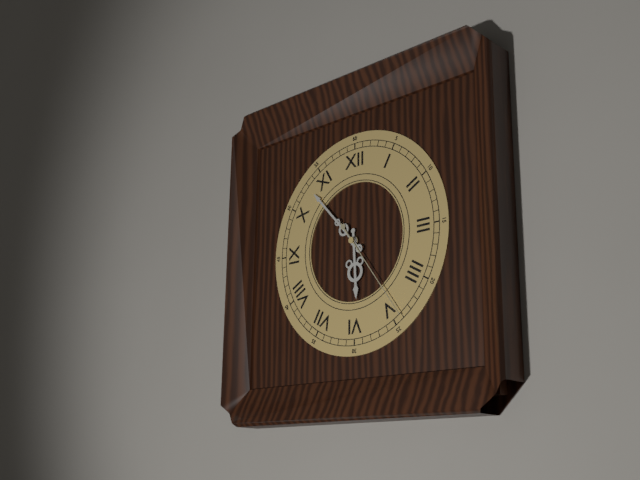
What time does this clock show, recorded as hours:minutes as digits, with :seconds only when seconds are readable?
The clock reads 5:53:24
